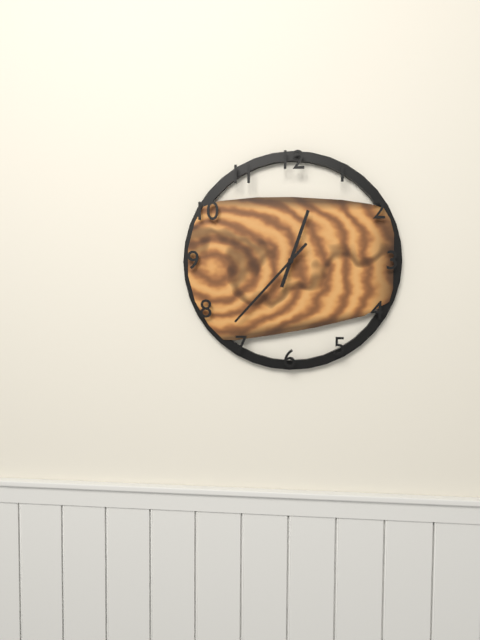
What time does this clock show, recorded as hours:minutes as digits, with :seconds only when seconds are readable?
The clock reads 12:37
